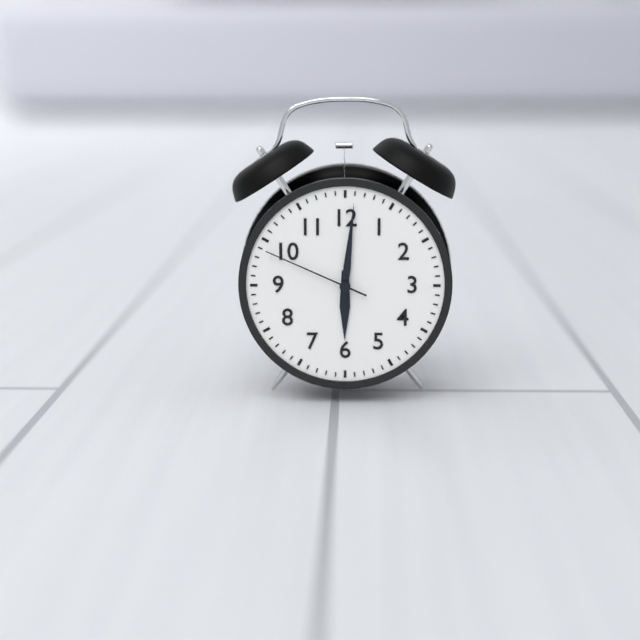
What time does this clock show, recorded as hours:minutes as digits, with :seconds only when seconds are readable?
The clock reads 6:01:49
